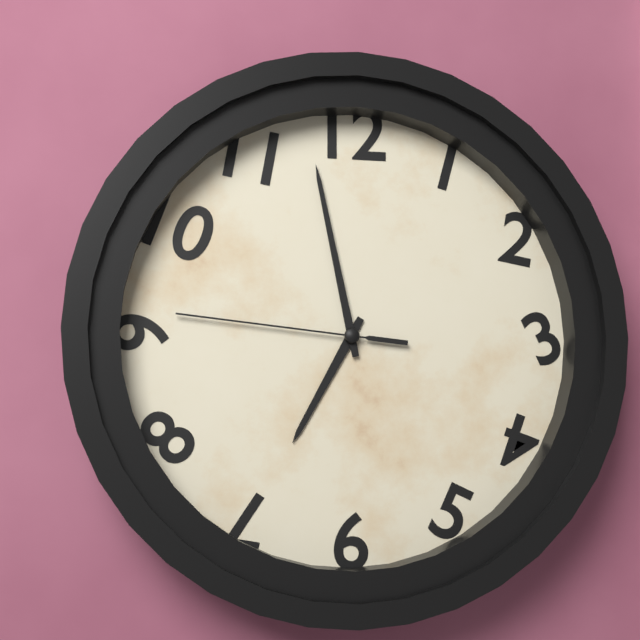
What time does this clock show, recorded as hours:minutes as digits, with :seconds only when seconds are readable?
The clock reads 6:58:46
